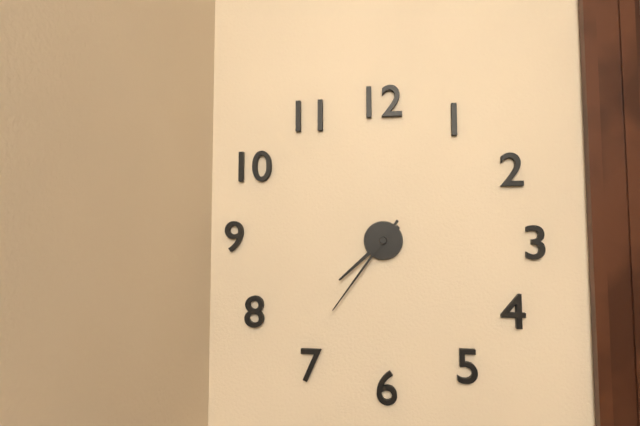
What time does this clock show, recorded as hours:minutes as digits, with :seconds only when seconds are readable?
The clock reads 7:36
